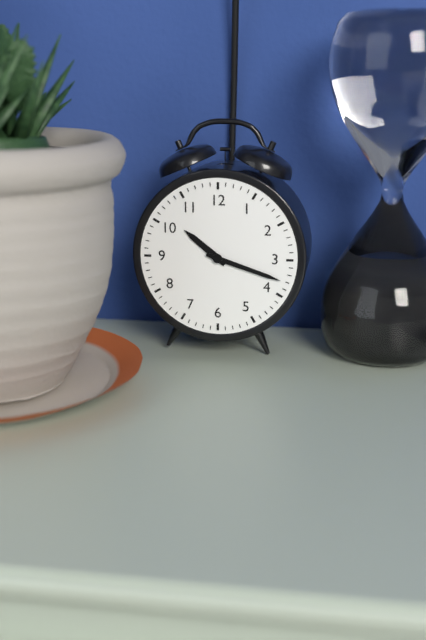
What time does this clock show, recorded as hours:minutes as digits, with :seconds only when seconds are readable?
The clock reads 10:18
